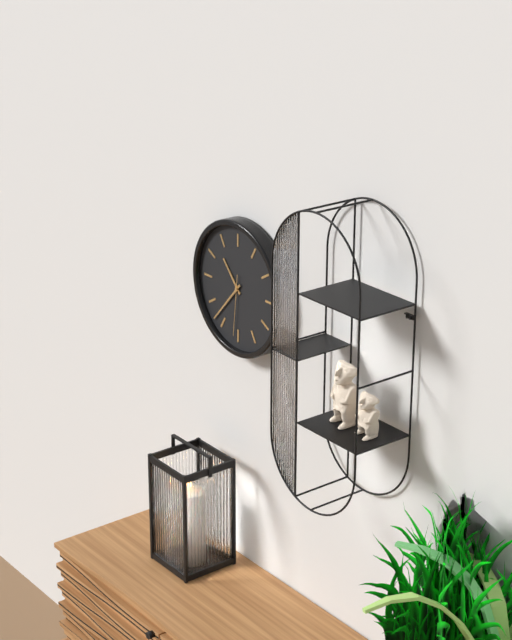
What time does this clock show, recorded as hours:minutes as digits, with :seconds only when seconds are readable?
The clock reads 10:37:31
